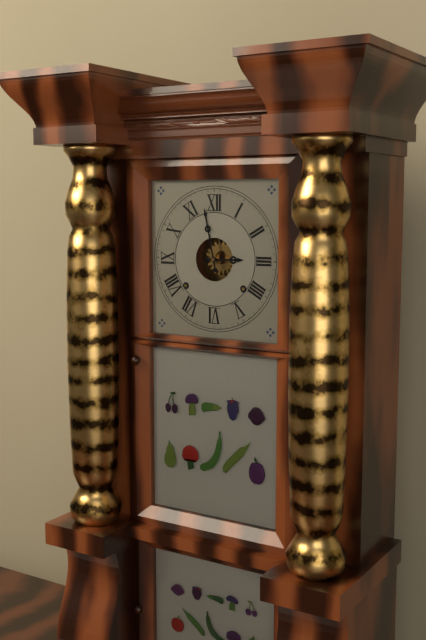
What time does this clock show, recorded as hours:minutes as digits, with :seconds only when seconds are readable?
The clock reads 2:58
